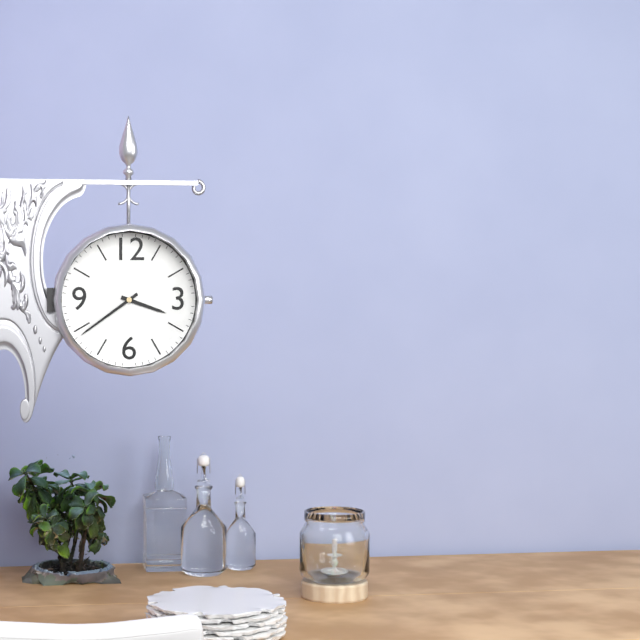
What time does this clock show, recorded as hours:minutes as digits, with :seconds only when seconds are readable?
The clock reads 3:39
